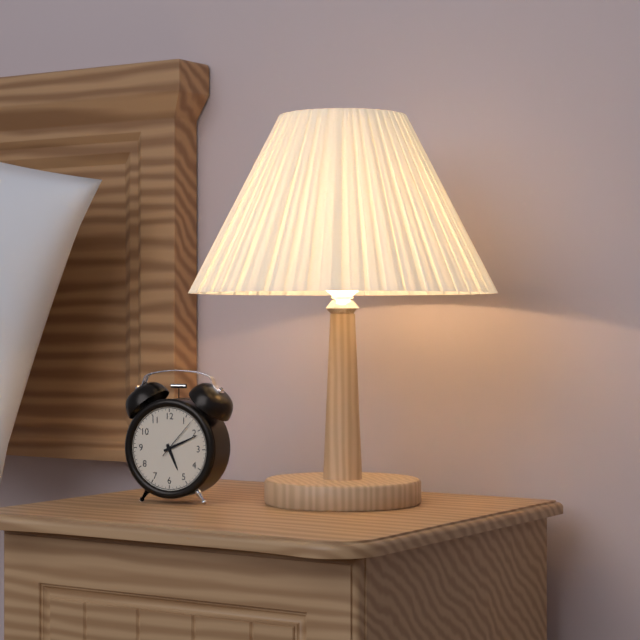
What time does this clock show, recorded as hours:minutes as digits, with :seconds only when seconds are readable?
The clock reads 5:11
